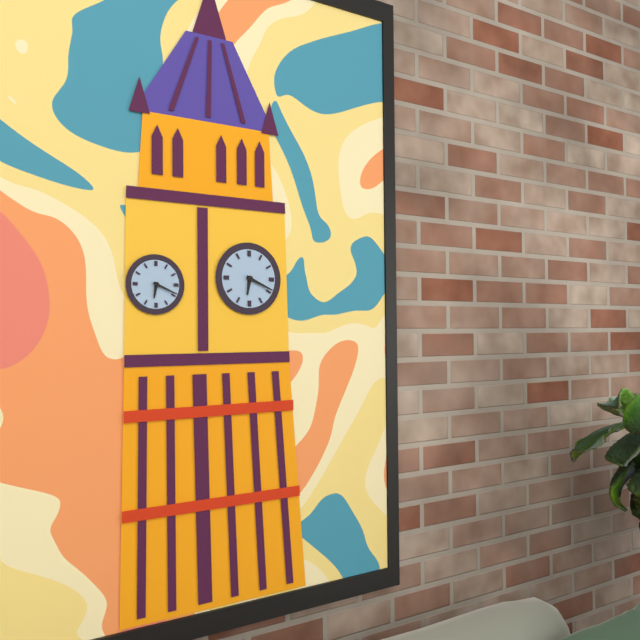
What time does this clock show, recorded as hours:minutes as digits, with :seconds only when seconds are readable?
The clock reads 6:19
